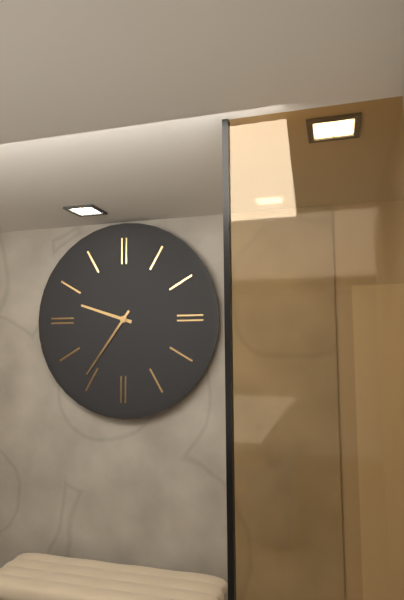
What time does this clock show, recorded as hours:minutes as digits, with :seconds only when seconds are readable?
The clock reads 9:36
